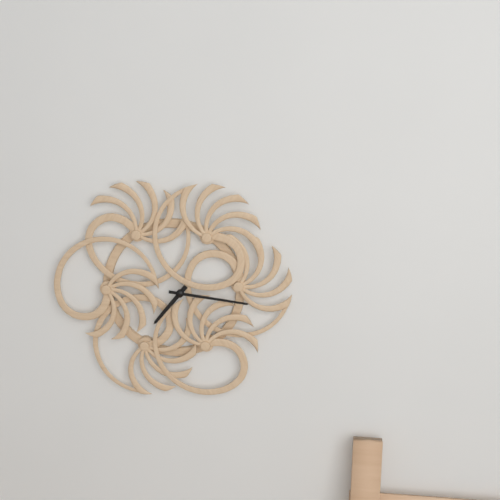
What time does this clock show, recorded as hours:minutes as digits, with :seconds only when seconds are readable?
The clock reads 7:16
